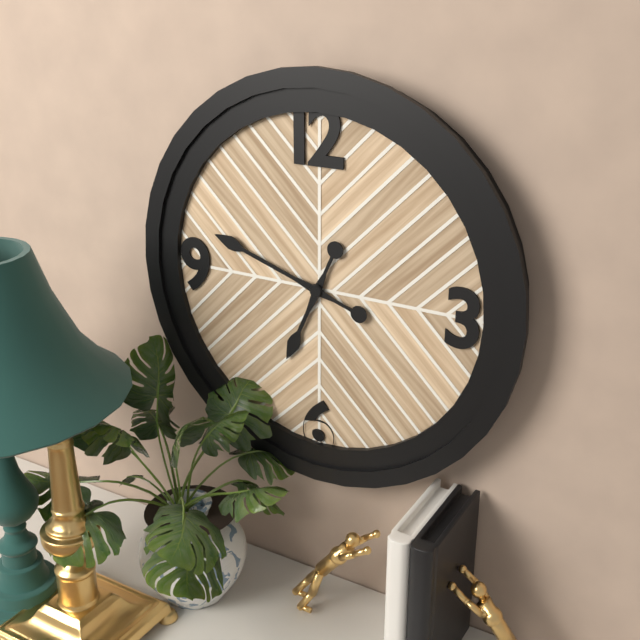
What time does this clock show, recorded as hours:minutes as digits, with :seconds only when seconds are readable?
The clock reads 6:48
